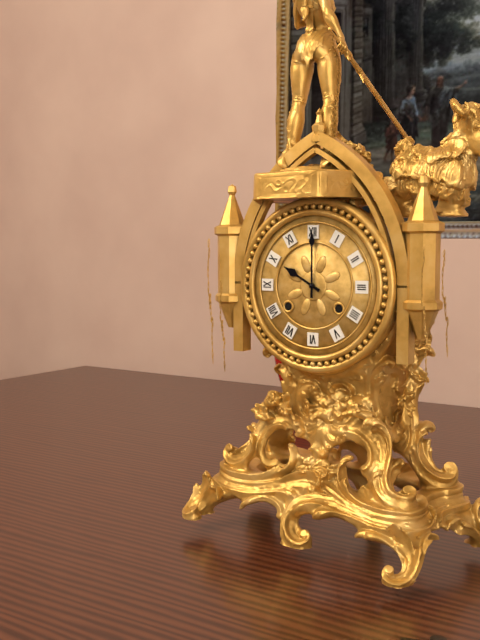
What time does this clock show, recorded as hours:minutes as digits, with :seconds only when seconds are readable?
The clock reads 10:00
